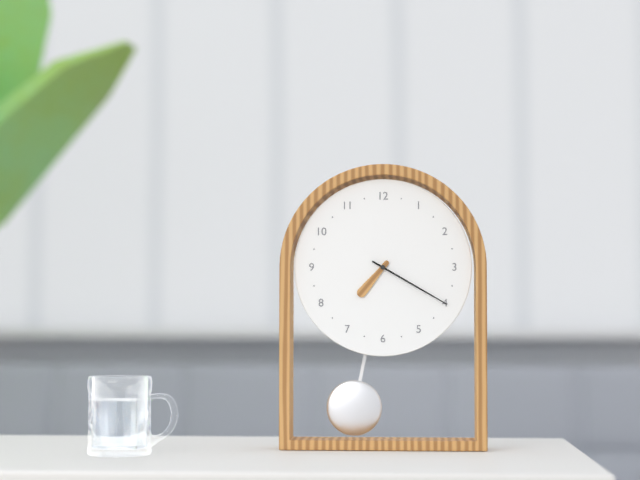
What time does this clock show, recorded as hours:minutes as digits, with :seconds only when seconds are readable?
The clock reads 7:20
